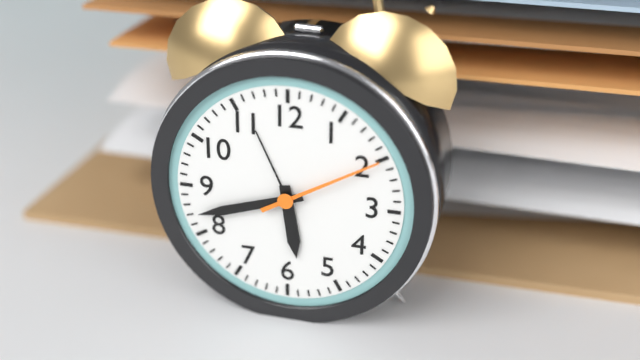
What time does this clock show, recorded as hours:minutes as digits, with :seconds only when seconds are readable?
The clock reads 5:42:10
